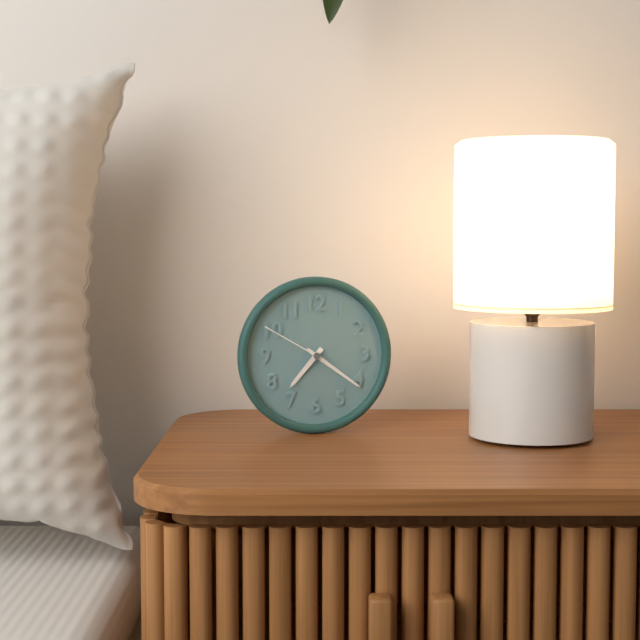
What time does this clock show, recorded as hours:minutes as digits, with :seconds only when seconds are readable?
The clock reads 7:21:50
